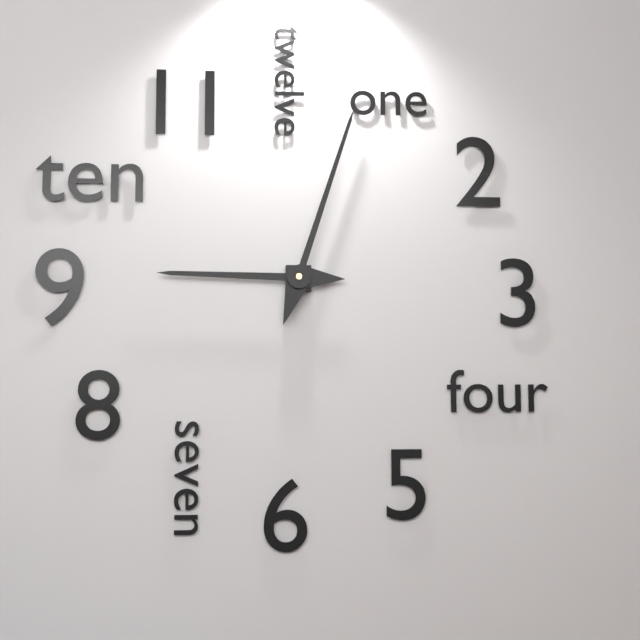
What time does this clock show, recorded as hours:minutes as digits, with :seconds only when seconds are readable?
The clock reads 9:03
